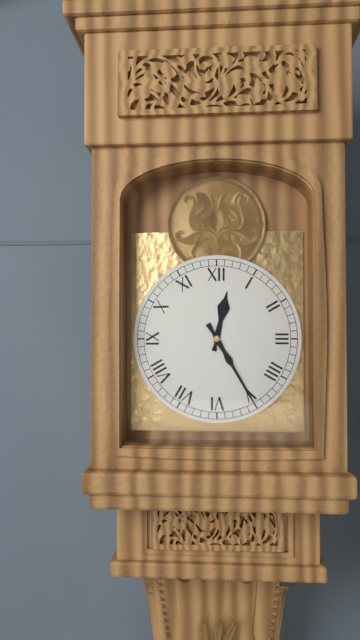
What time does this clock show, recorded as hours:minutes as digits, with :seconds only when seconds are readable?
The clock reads 12:25
